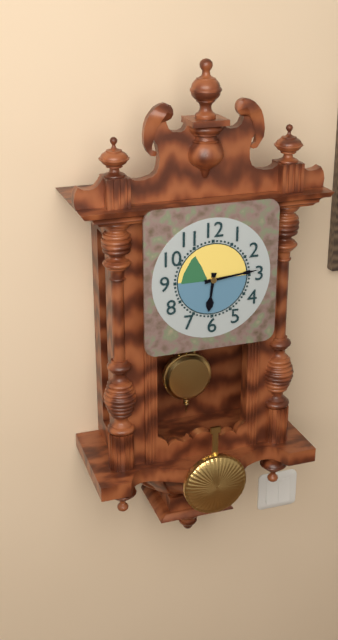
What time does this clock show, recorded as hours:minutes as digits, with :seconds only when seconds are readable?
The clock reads 6:14
